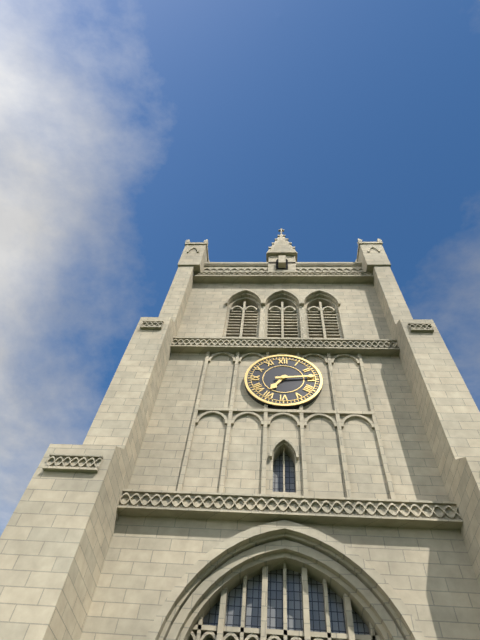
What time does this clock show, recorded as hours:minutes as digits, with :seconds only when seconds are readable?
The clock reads 7:14
